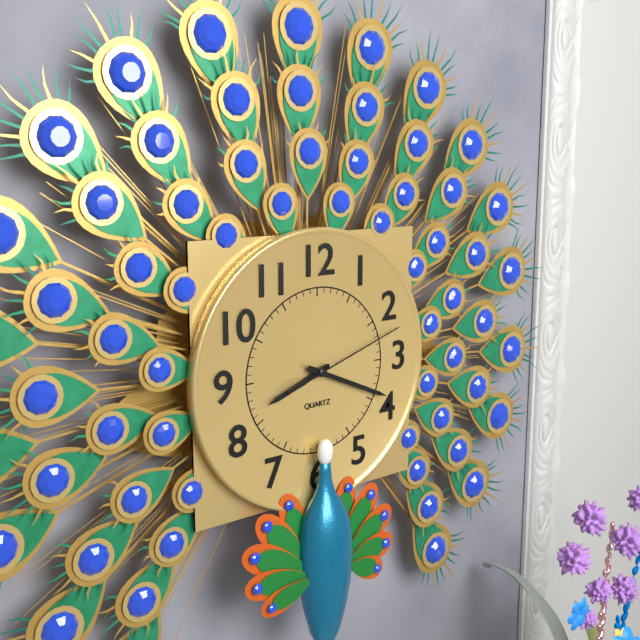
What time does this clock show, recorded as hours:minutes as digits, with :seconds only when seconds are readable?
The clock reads 8:19:12
